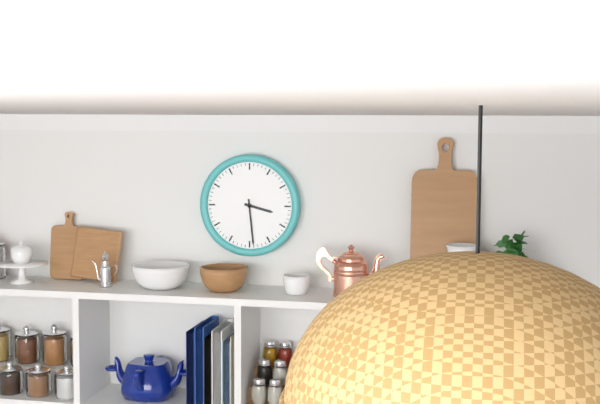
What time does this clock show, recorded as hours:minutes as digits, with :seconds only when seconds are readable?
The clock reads 3:29
